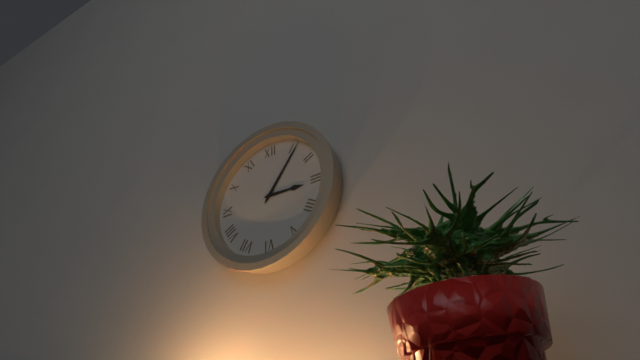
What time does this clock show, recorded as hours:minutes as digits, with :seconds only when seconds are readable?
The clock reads 3:06
